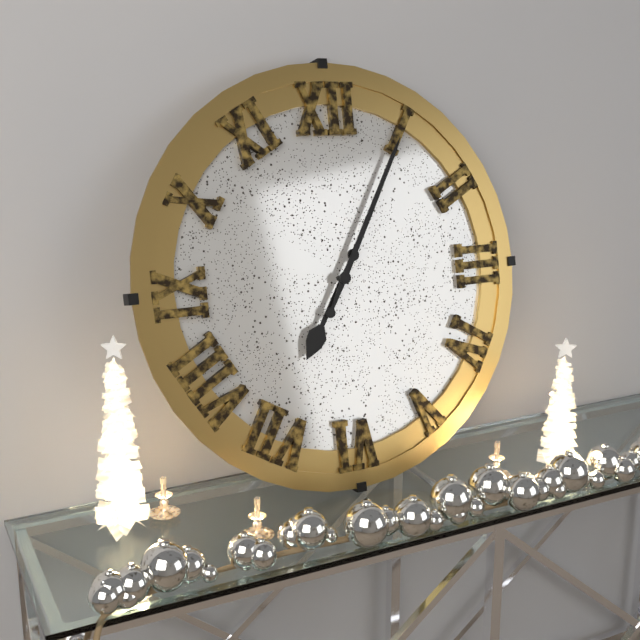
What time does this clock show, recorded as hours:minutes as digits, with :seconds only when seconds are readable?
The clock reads 7:05
